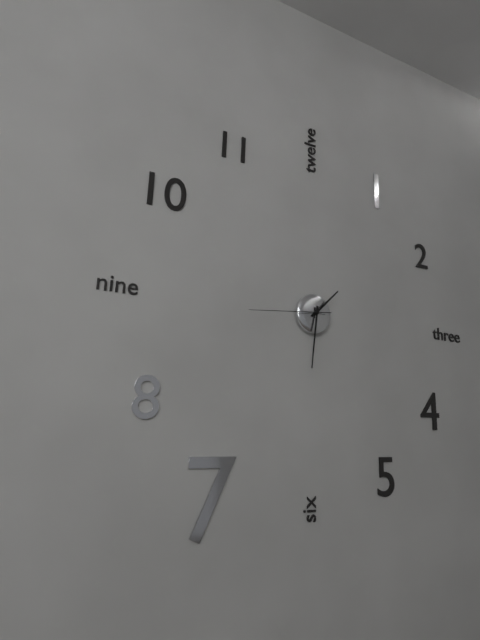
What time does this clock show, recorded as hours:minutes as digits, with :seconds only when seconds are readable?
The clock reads 1:31:44
